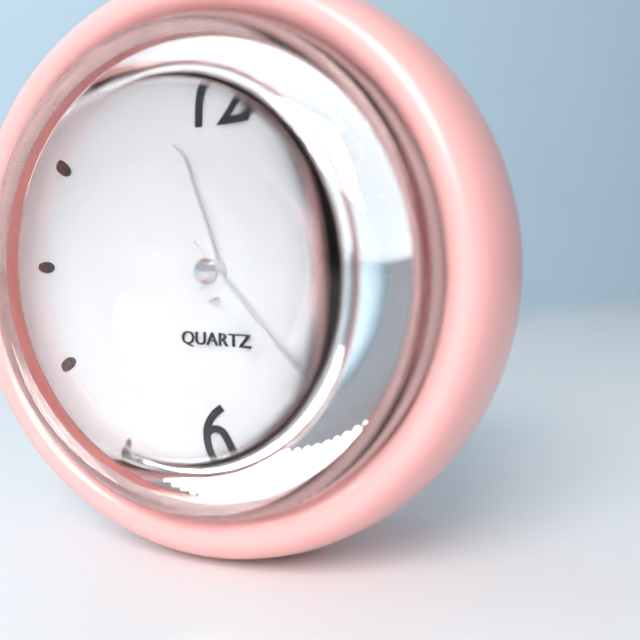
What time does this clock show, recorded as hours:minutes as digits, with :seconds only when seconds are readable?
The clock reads 11:23
